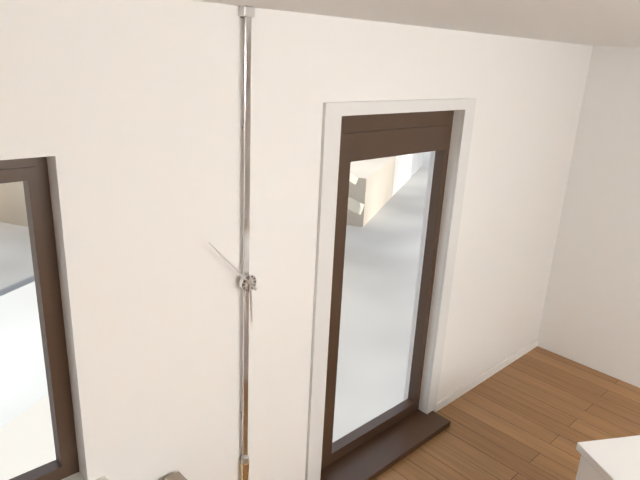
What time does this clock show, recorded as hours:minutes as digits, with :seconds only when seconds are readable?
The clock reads 5:53
